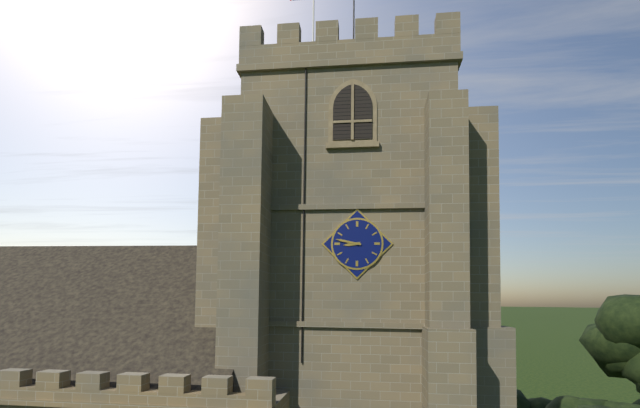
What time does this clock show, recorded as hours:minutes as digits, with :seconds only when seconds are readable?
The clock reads 8:47
